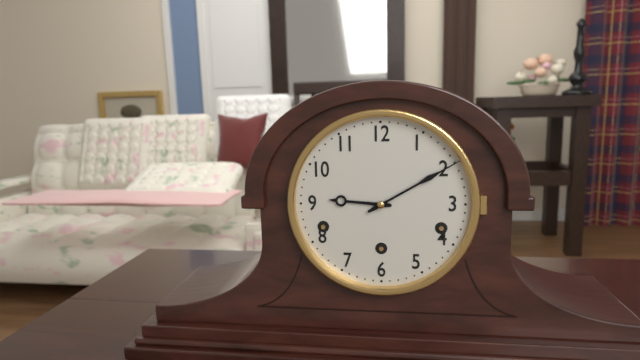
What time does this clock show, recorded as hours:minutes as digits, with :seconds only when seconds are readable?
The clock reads 9:10
